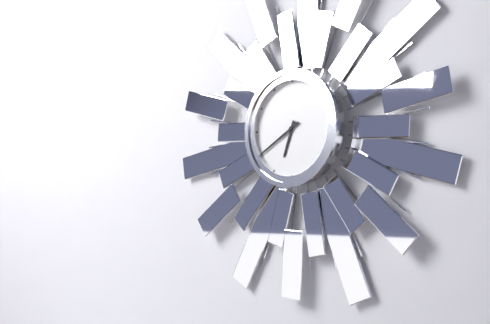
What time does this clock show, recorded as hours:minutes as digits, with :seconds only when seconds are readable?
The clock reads 6:40
